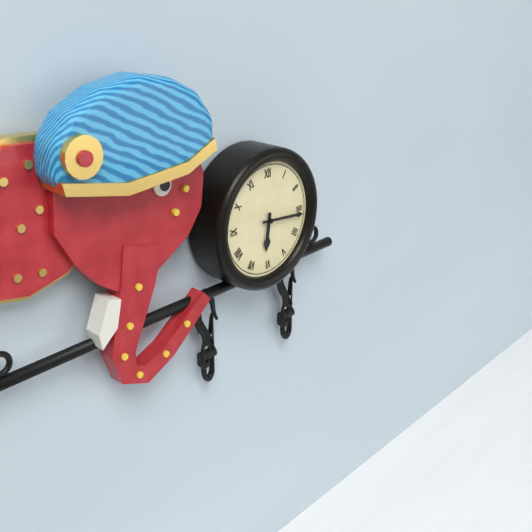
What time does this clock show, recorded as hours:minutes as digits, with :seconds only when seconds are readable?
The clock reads 6:16
